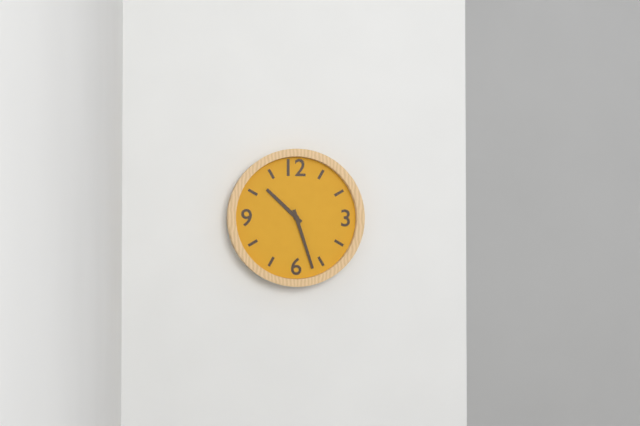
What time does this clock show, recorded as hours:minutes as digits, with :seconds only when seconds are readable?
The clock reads 10:27
